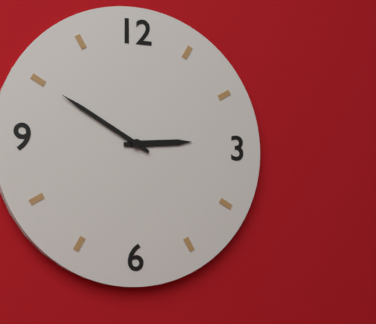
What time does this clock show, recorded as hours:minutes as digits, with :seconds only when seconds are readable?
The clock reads 2:50
